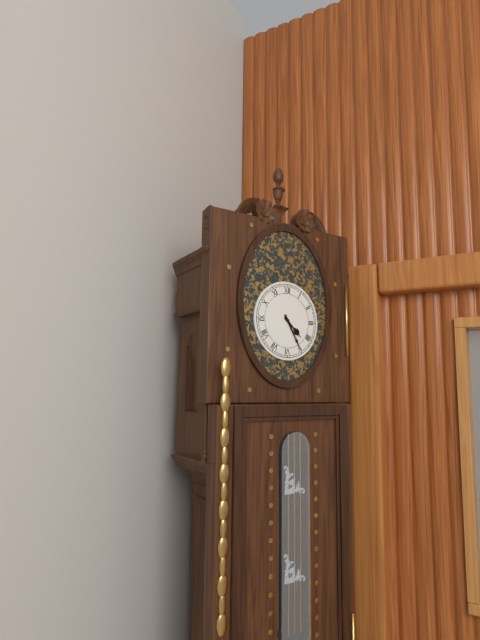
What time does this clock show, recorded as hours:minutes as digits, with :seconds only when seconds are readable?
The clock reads 4:25
